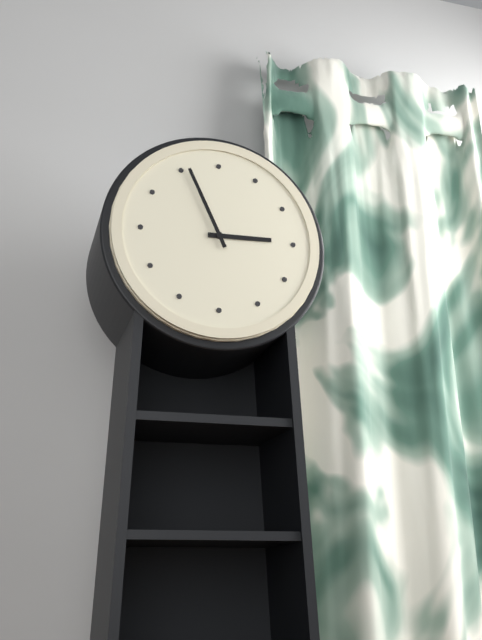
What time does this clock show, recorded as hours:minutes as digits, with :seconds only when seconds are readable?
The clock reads 2:56
